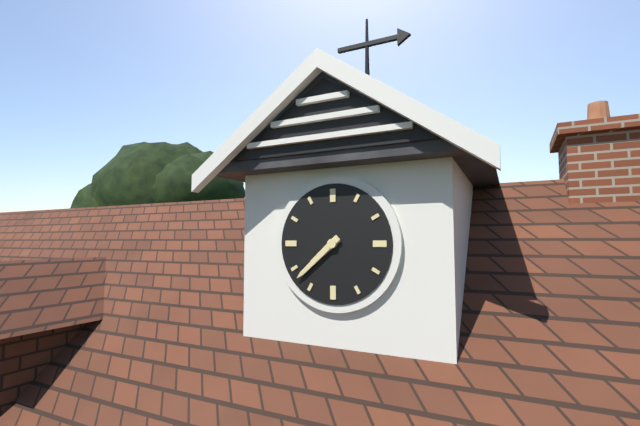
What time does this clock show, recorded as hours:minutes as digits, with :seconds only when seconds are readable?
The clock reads 7:38
